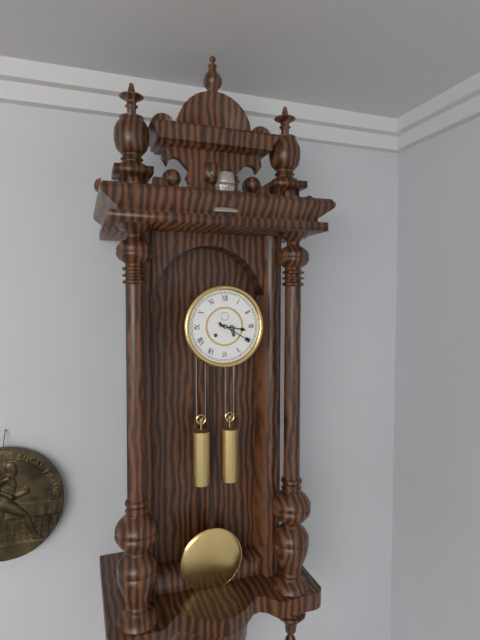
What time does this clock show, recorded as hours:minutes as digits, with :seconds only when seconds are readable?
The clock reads 3:20
